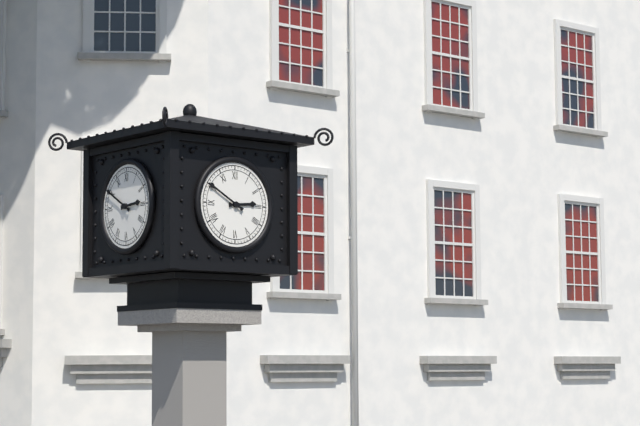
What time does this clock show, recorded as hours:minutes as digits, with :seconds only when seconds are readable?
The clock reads 2:50
